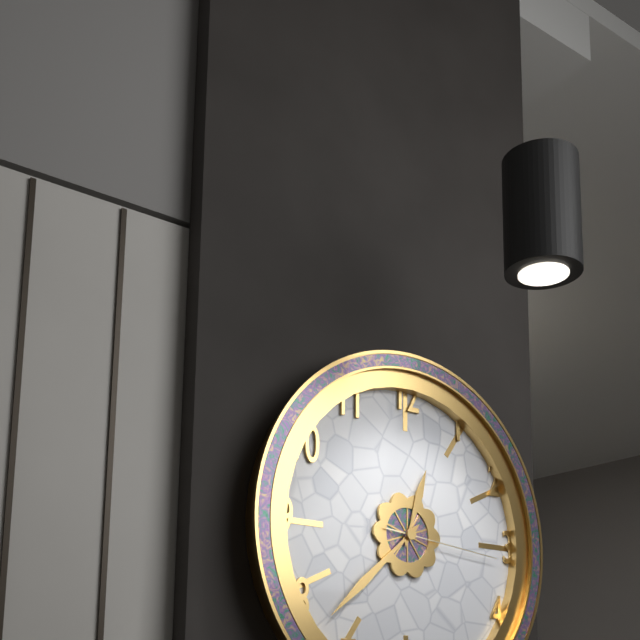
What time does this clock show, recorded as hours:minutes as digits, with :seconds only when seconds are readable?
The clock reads 12:38:16
